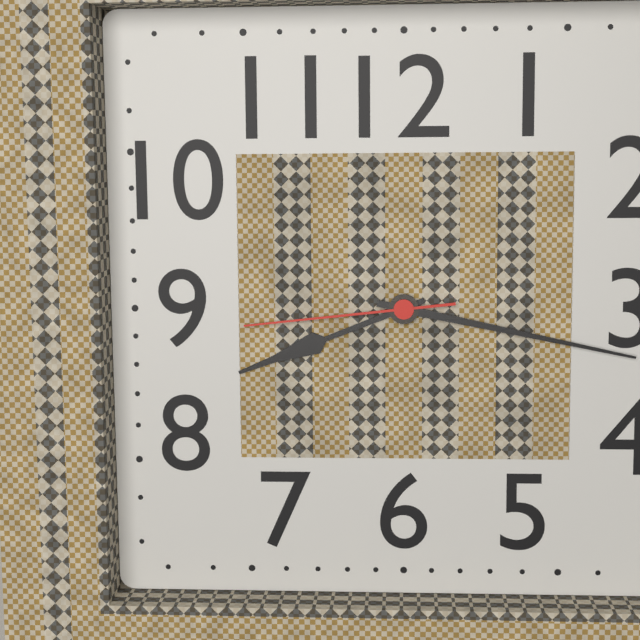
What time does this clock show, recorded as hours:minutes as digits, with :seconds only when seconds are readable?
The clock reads 8:17:44
